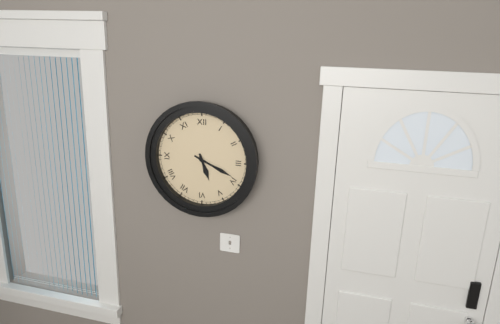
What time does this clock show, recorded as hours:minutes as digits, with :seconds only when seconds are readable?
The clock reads 5:19
